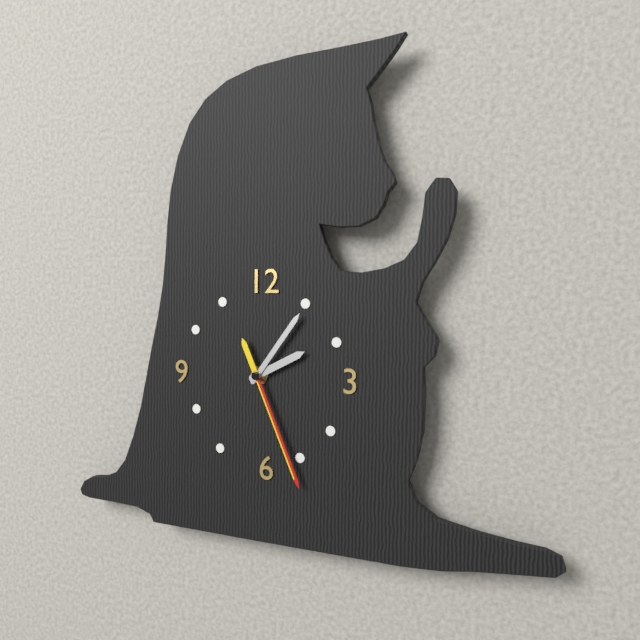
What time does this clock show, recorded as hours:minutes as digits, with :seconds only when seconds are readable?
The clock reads 2:06:26
